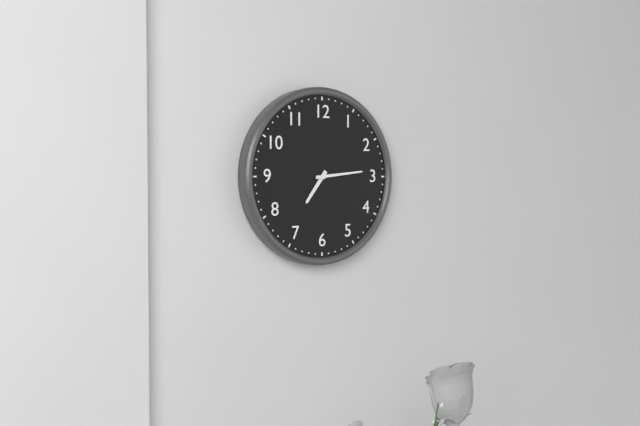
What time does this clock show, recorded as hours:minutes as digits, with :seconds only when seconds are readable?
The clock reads 7:14
